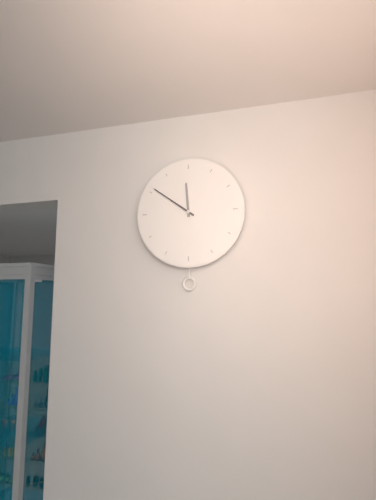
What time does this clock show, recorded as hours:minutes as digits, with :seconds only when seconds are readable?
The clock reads 11:51
